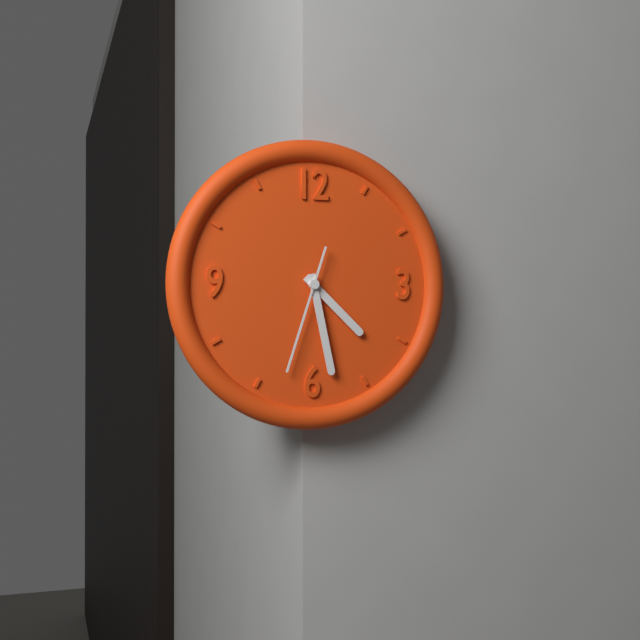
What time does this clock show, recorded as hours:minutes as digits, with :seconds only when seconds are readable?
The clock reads 4:28:33
